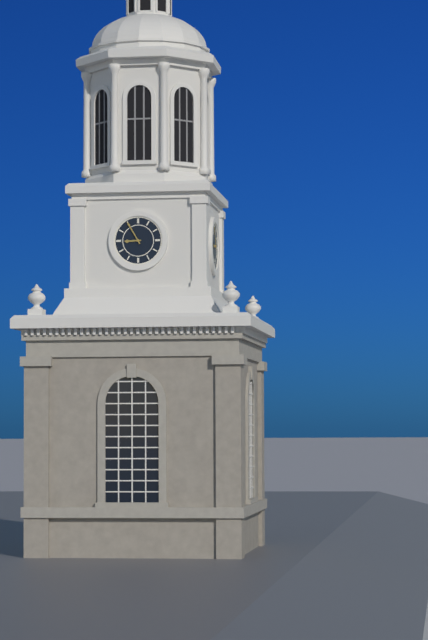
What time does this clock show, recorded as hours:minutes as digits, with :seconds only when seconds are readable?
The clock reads 8:55
